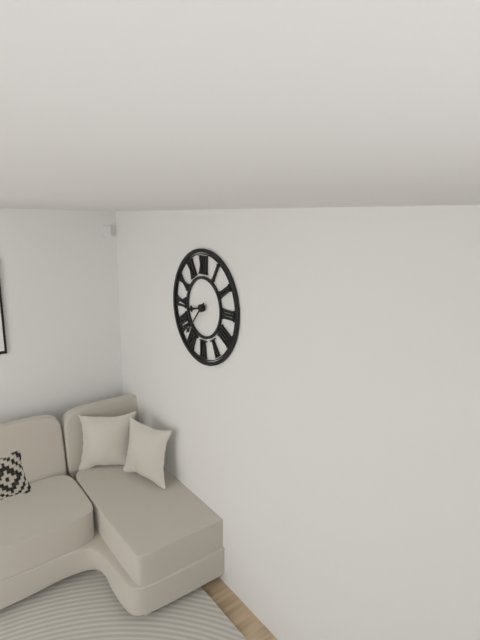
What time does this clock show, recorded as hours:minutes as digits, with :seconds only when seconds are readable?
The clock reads 8:37
